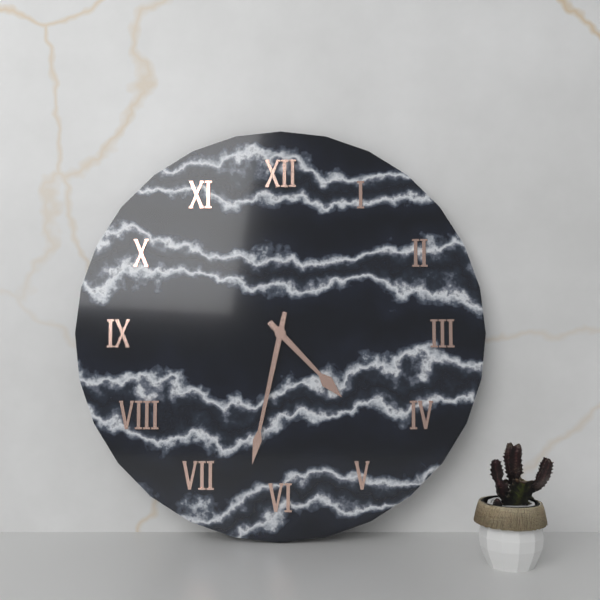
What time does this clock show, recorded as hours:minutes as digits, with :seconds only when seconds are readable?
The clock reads 4:32
